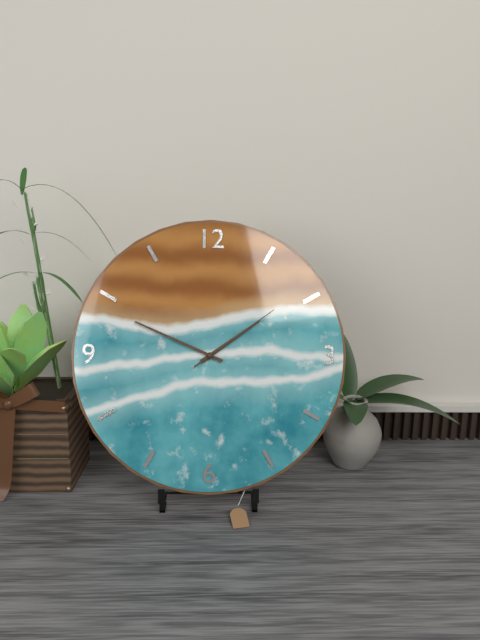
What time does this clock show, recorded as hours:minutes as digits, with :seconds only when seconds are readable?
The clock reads 1:49:09
